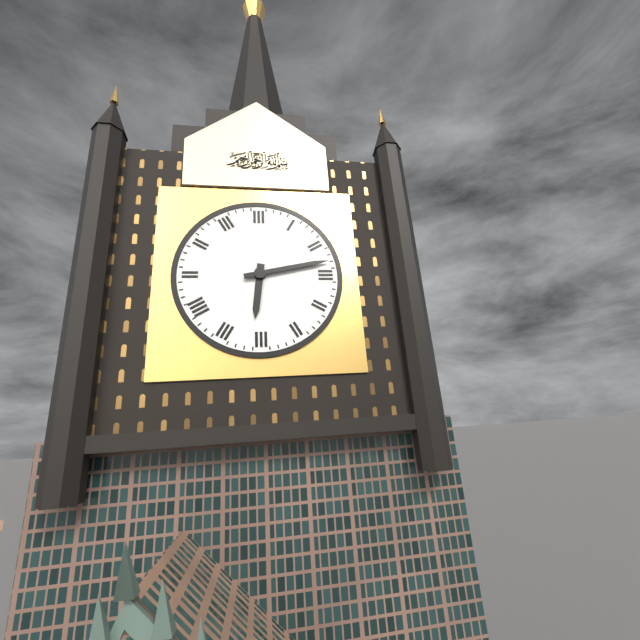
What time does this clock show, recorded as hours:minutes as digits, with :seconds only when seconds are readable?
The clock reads 6:13
